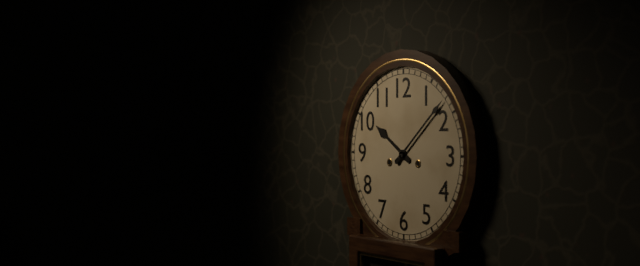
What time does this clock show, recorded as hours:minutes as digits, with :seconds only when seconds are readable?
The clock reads 10:08
